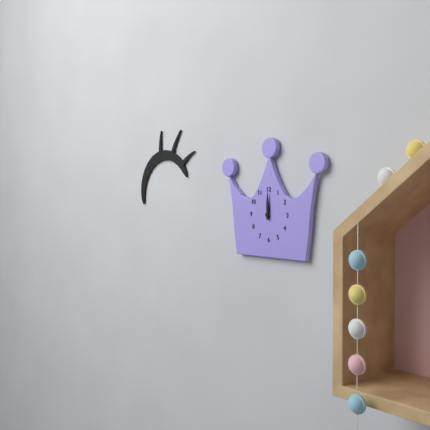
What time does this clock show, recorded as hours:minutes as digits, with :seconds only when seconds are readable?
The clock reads 12:00
